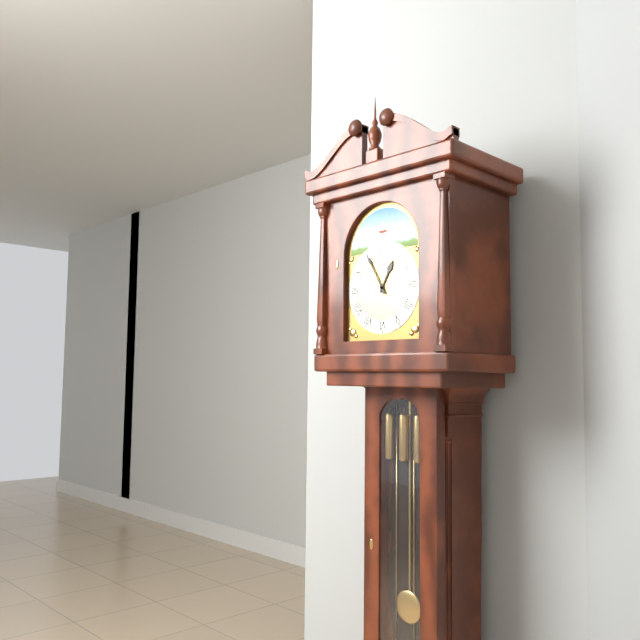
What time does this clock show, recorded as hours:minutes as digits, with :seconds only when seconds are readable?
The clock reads 12:55
